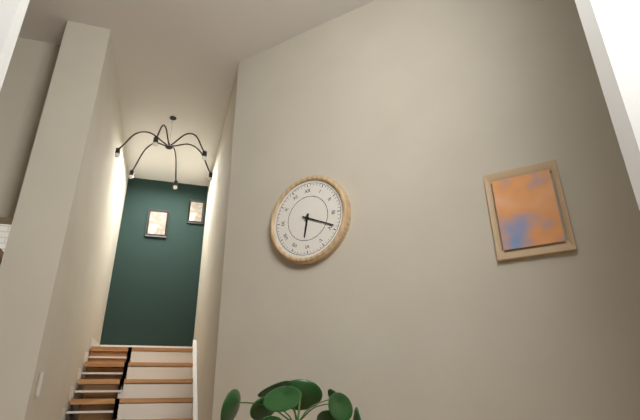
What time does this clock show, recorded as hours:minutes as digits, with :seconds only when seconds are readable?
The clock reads 6:19
